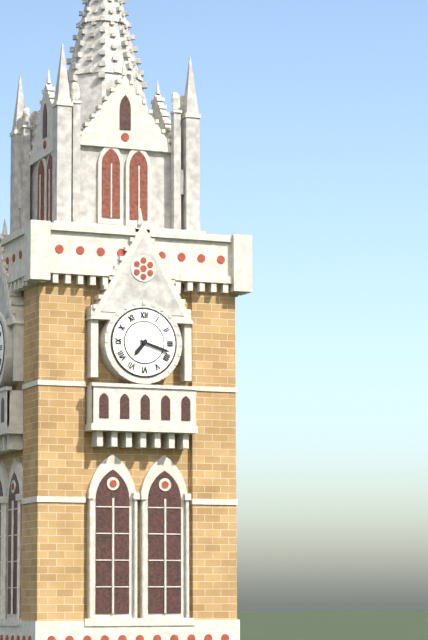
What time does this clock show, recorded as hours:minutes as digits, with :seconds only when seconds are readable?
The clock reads 7:18
